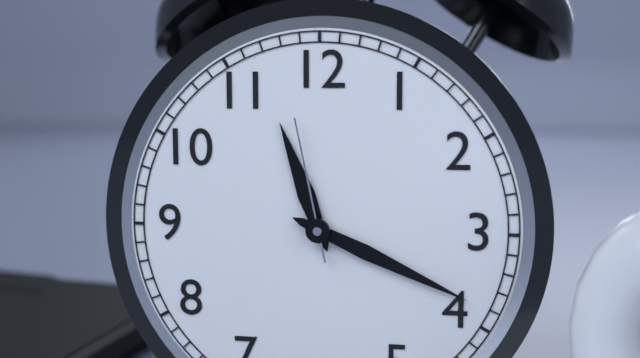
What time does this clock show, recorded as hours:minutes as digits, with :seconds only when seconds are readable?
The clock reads 11:19:58
